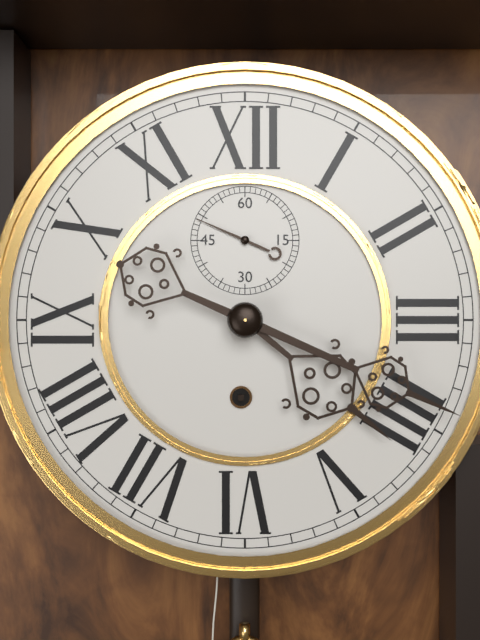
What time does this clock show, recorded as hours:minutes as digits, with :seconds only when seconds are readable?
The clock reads 4:19:49
